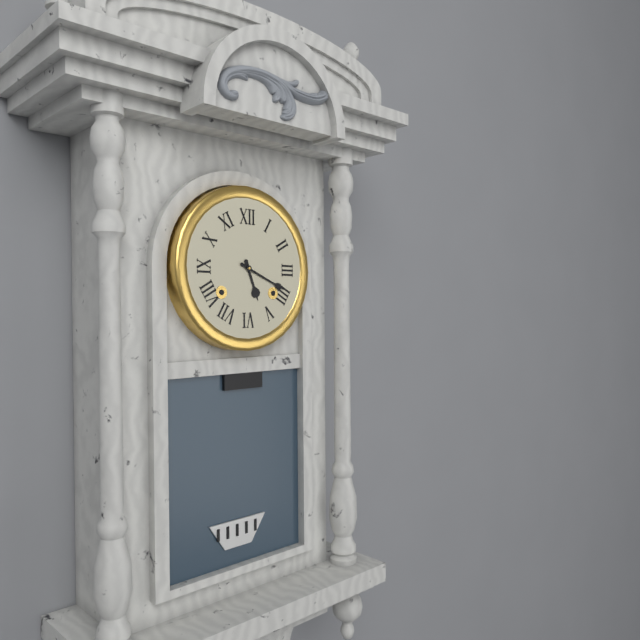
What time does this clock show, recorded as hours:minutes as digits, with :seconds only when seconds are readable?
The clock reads 5:19
